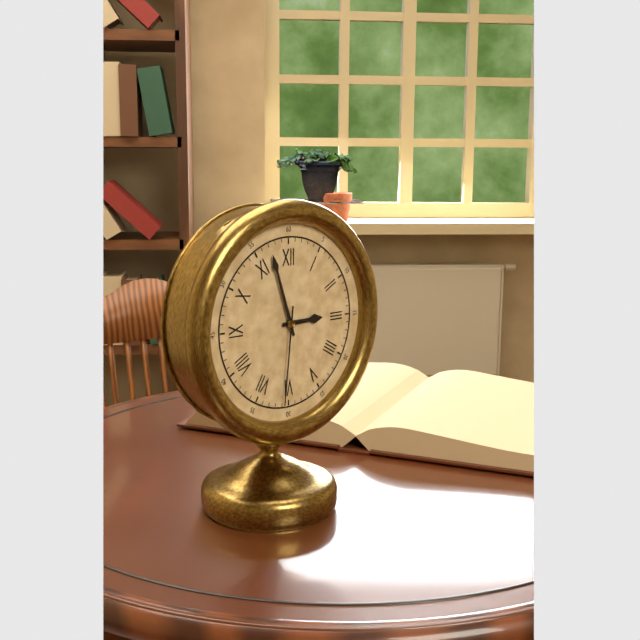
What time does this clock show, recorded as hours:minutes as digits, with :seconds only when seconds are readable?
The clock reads 2:57:31
